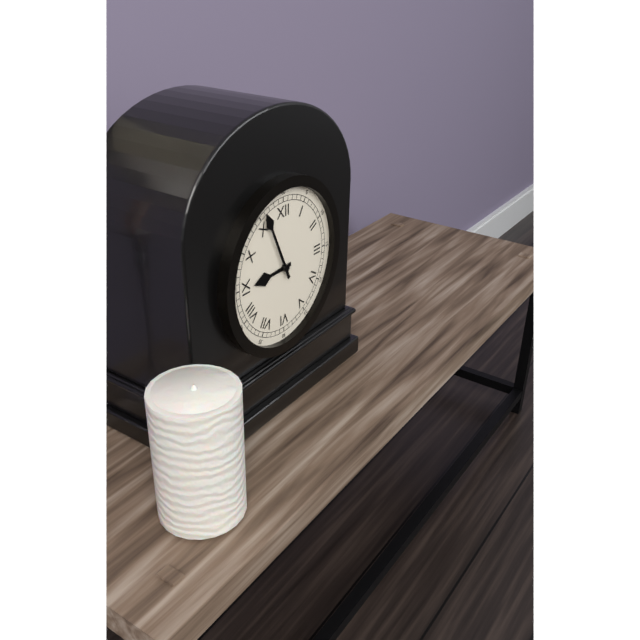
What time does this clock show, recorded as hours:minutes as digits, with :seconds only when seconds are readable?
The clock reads 8:56
